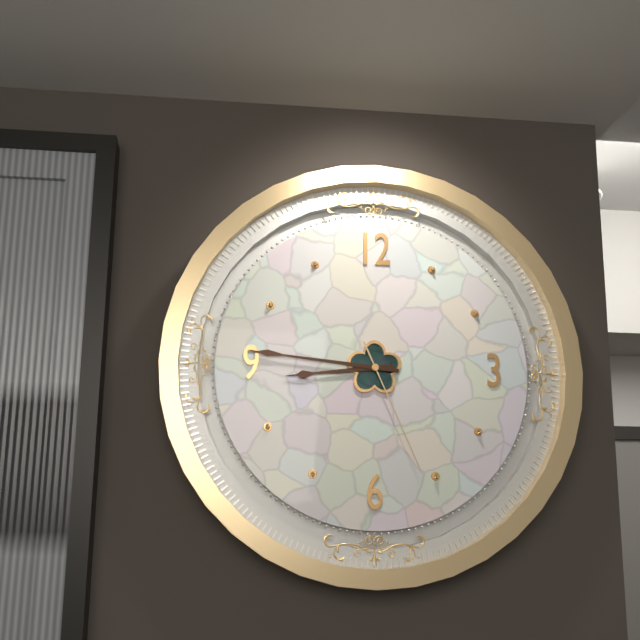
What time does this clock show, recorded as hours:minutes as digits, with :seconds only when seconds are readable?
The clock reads 8:46:26
